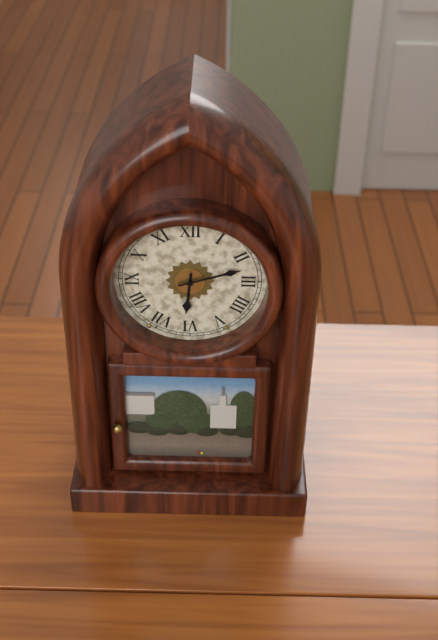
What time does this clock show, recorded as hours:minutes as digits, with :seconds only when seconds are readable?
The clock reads 6:12
